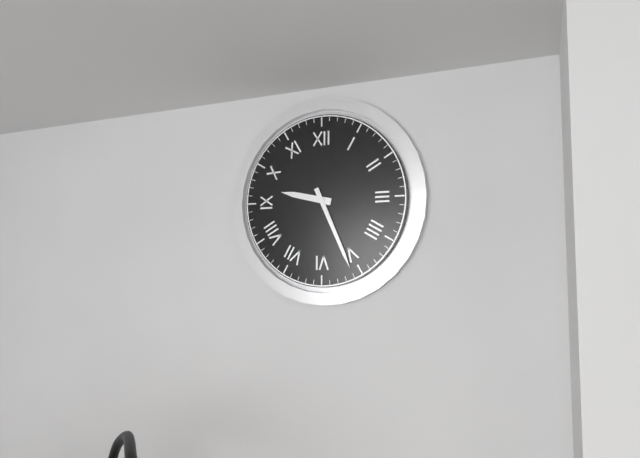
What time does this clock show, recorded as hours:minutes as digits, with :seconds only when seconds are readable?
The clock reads 9:26
